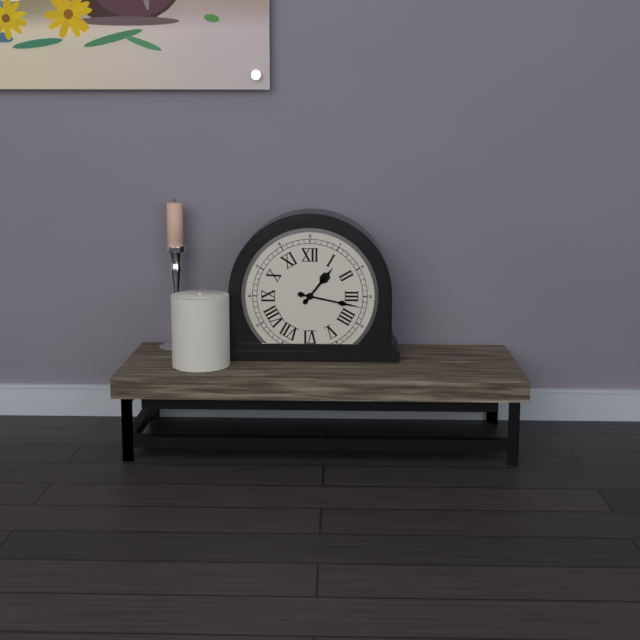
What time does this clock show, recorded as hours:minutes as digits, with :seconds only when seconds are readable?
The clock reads 1:17
